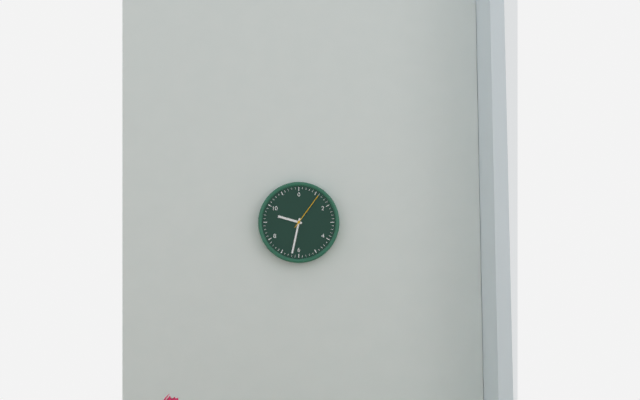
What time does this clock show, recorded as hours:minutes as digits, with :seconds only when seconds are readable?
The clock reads 9:32
